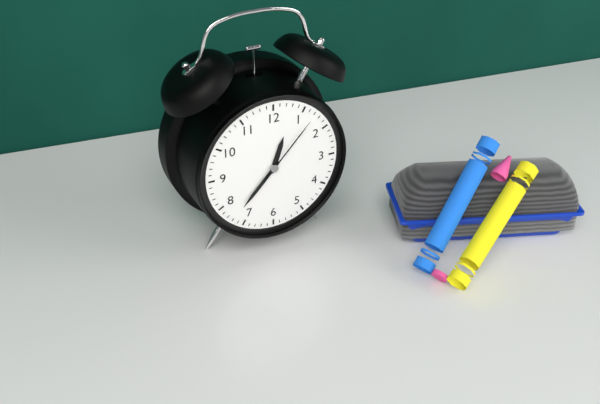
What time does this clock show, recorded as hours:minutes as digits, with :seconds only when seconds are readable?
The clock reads 12:37:07
